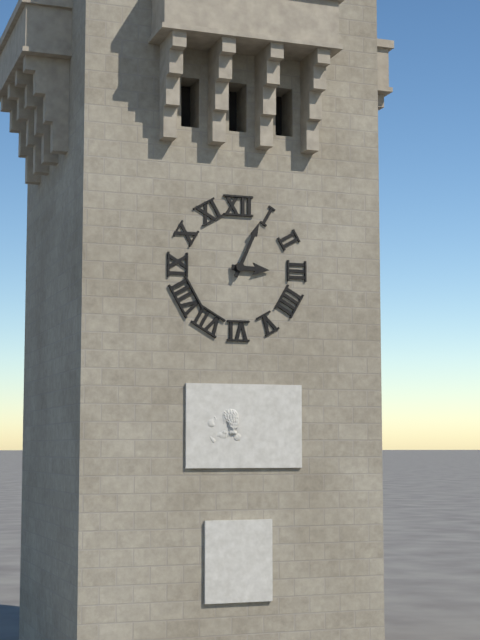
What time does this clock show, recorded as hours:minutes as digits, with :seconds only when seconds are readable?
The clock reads 3:04
